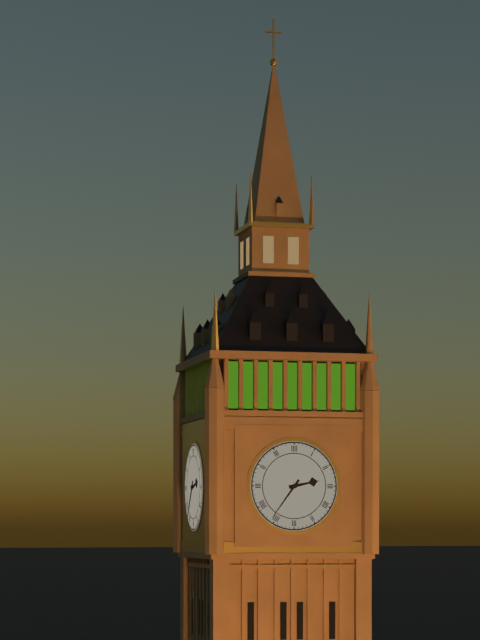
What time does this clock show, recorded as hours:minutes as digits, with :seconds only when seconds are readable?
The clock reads 2:36
